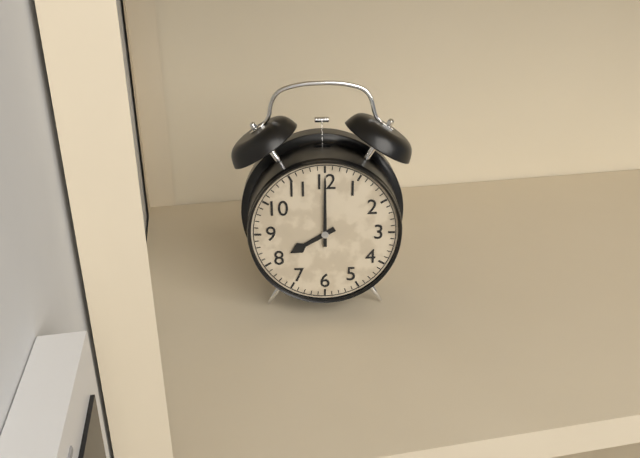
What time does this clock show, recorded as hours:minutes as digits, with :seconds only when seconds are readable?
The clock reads 8:00
